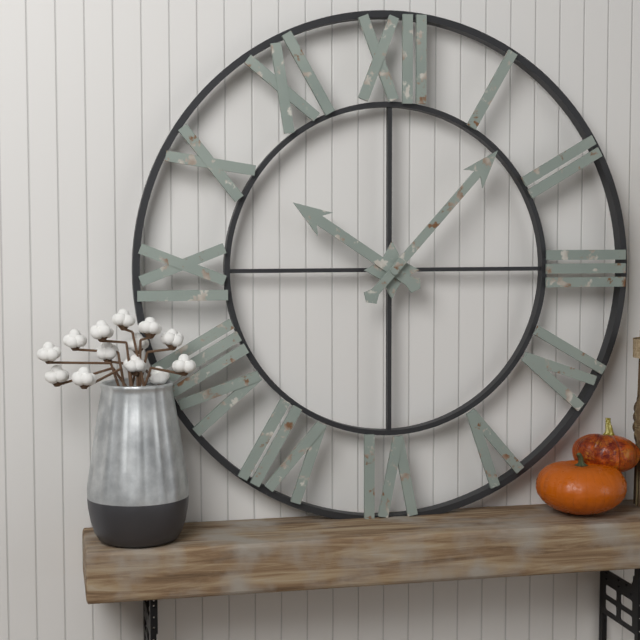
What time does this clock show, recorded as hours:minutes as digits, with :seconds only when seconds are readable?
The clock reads 10:07
